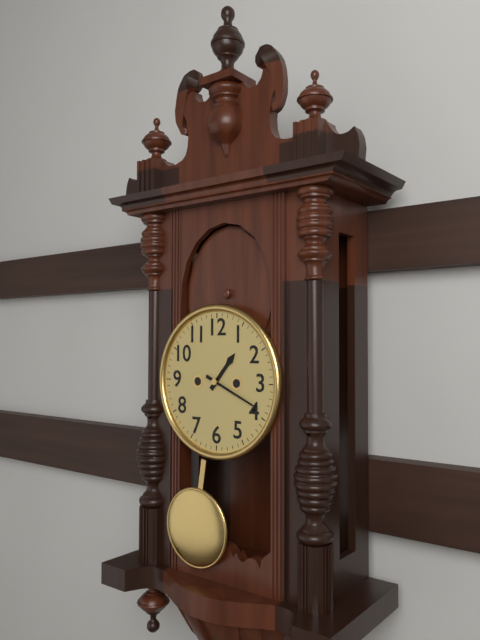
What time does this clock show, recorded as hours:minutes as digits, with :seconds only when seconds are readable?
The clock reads 1:19
